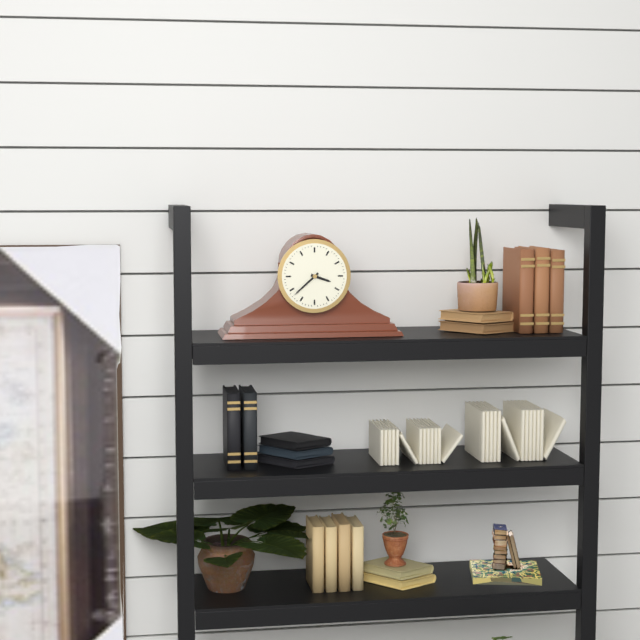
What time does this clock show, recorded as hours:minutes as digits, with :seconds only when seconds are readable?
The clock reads 3:38
